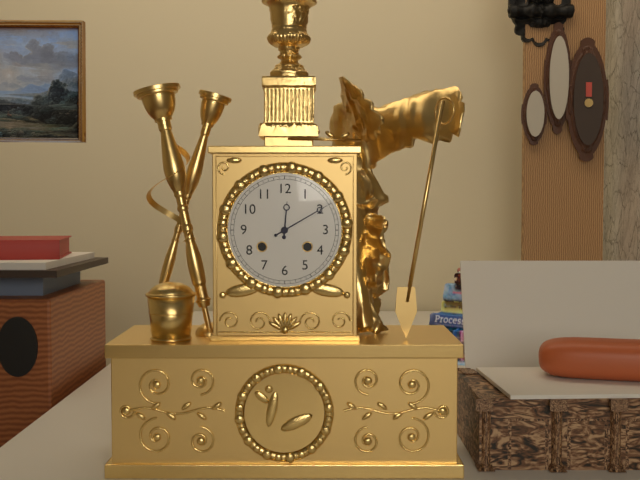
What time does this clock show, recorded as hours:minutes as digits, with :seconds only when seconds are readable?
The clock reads 12:10
